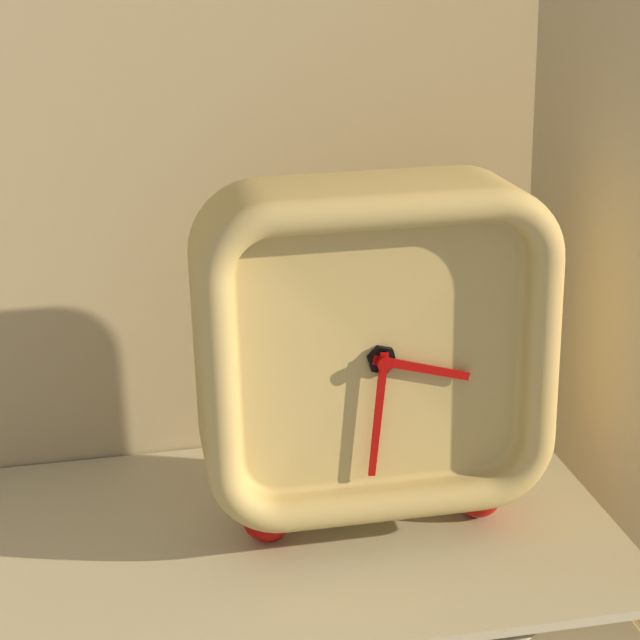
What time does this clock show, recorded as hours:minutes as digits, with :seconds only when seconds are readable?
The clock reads 3:31
